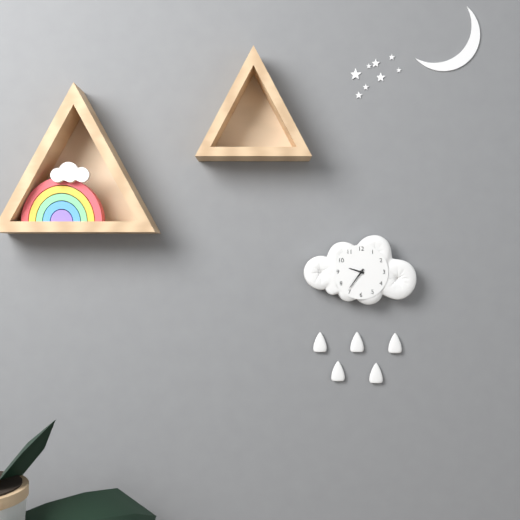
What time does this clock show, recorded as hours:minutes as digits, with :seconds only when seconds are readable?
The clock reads 9:36
